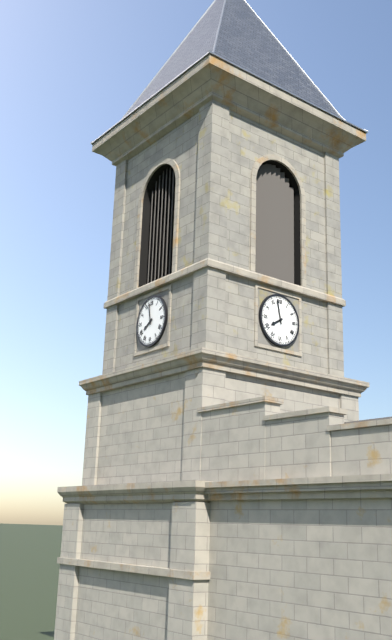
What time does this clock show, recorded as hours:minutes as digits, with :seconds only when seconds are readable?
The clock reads 7:58
